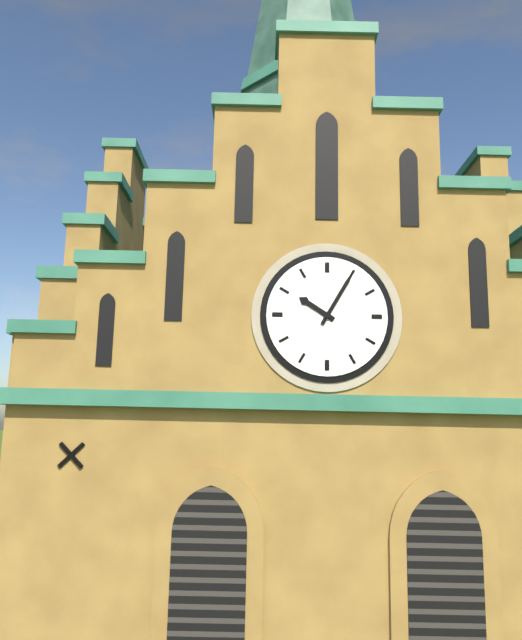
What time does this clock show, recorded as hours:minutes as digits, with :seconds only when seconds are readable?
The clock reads 10:05
